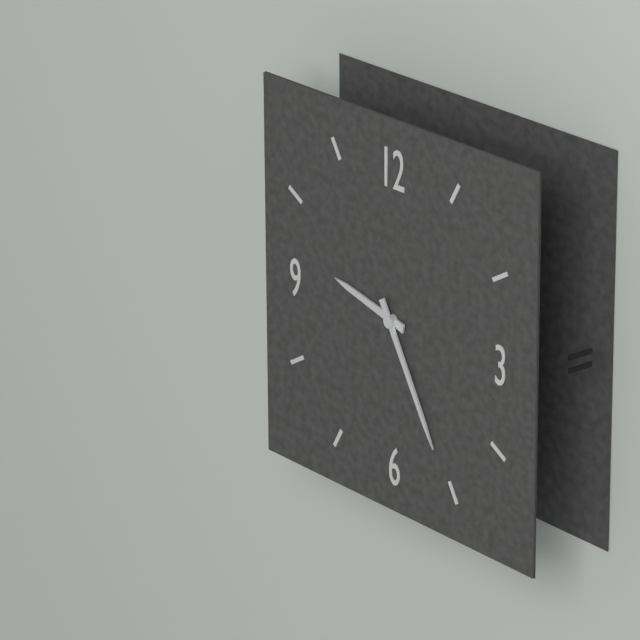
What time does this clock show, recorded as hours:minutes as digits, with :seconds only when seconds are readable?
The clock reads 9:25
